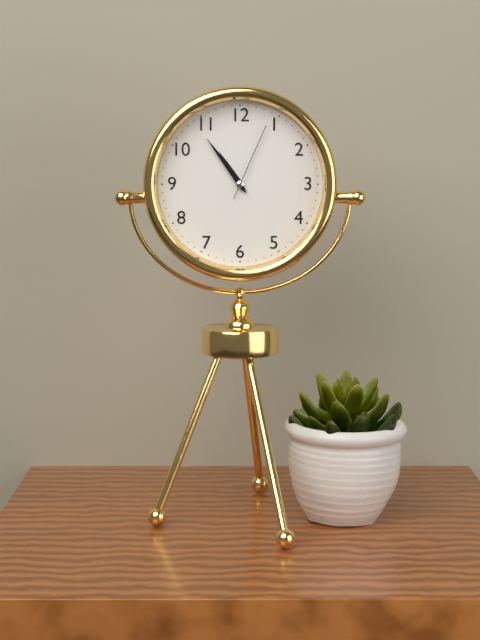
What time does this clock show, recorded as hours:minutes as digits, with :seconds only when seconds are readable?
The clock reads 10:54:04
